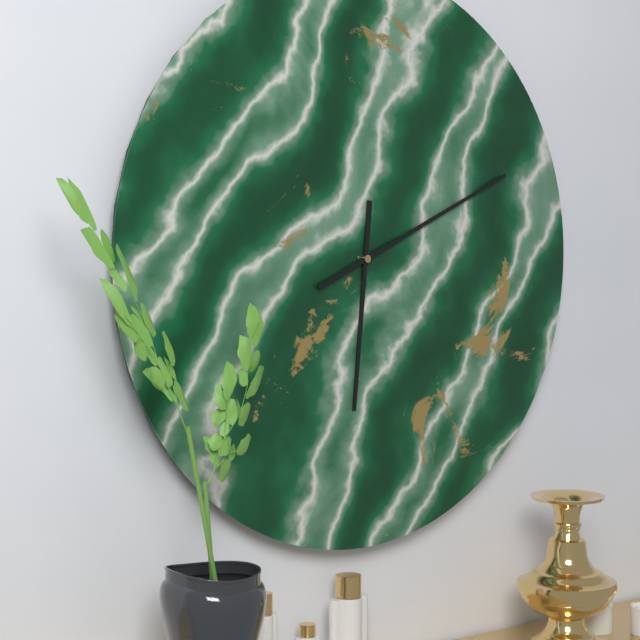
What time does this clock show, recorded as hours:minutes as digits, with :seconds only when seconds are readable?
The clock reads 6:11
